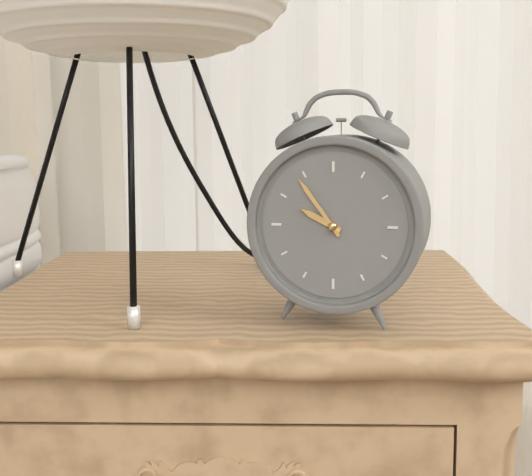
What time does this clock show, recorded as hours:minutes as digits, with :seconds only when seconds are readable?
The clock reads 9:54
